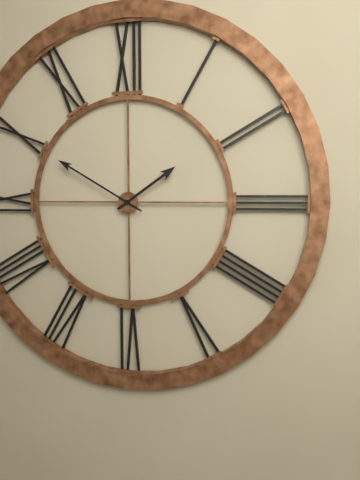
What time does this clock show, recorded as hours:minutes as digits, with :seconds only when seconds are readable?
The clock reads 1:50
